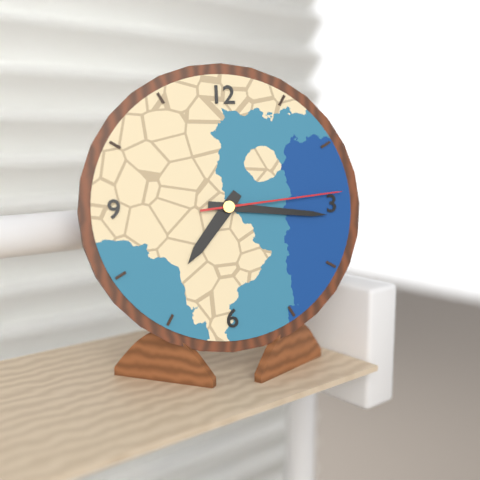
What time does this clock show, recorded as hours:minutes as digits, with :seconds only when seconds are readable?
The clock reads 7:16:14
